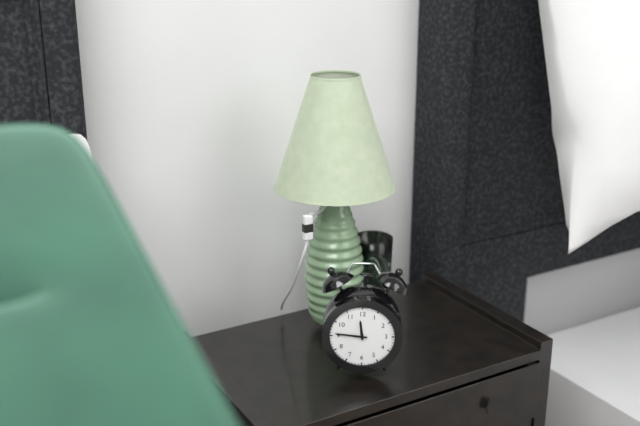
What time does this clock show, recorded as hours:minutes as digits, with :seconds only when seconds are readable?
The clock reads 11:46
